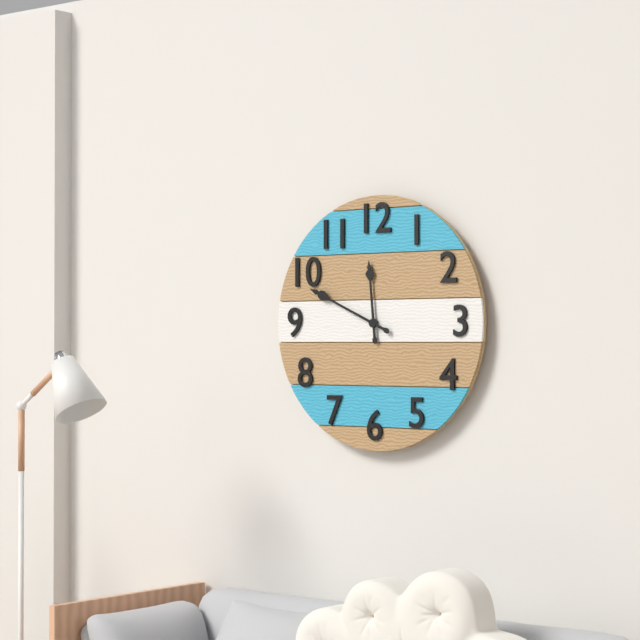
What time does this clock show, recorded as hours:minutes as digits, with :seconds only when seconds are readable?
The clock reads 11:49
